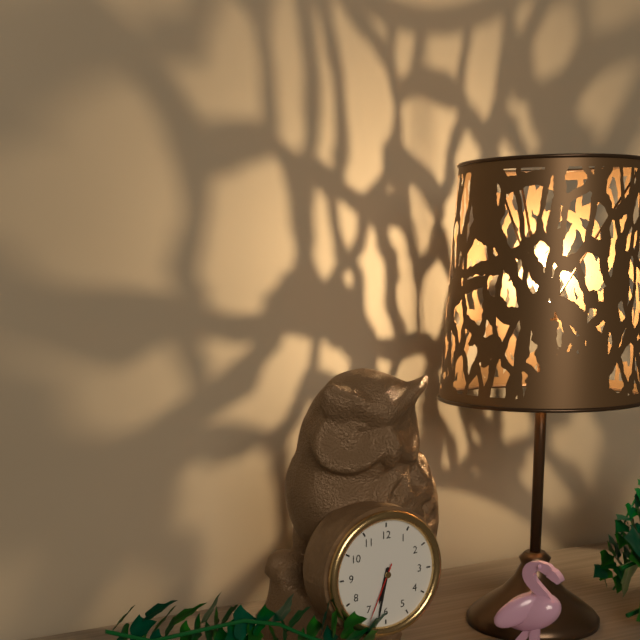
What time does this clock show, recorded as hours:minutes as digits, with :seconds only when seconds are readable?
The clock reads 6:32:34
